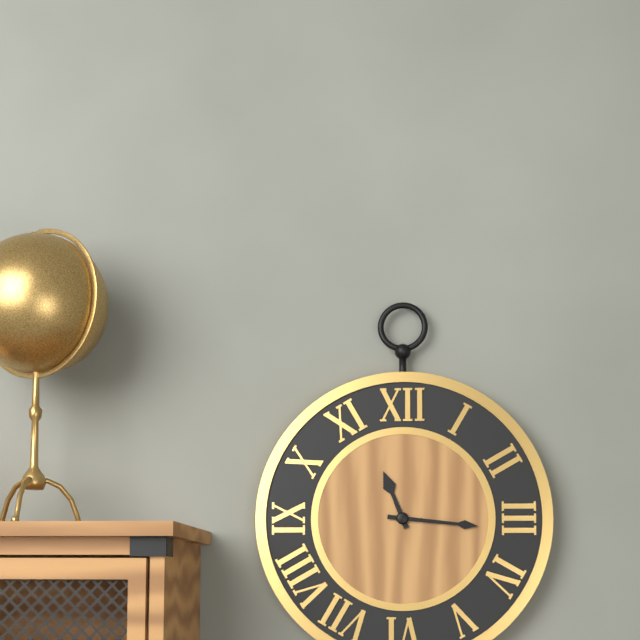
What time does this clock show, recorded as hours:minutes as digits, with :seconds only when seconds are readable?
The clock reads 11:16
